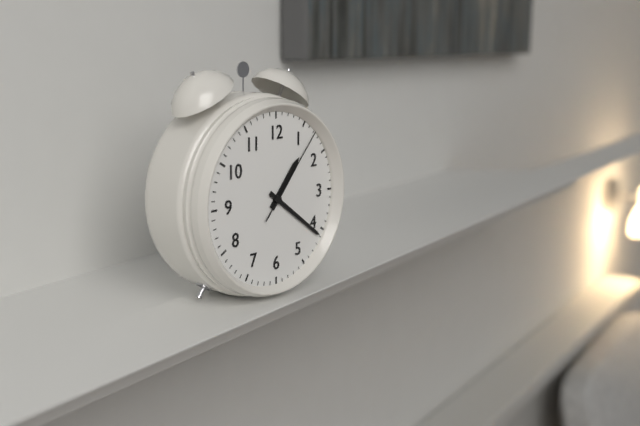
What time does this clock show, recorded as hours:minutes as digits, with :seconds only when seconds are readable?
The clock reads 1:21:07
